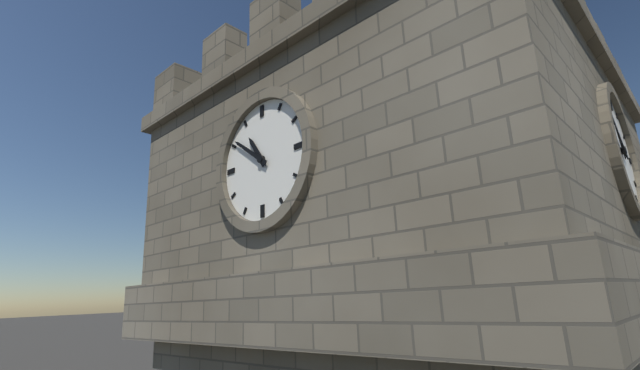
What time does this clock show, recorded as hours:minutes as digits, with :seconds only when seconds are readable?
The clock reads 10:51
